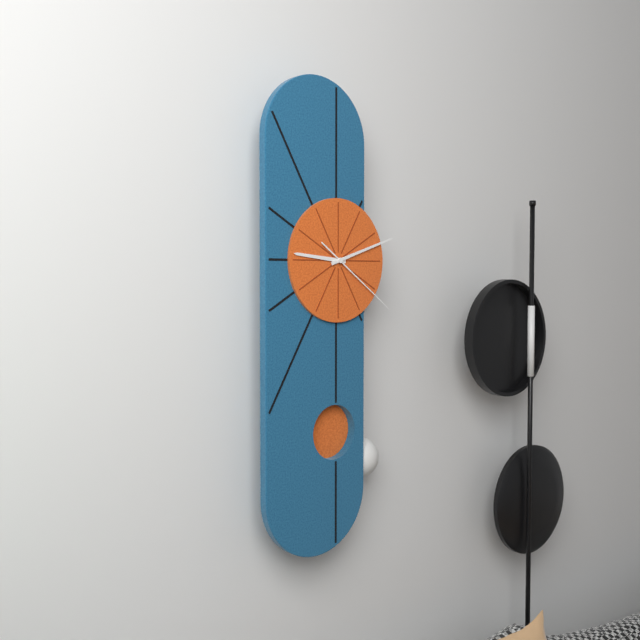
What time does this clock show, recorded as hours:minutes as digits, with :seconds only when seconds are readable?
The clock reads 9:12:21
